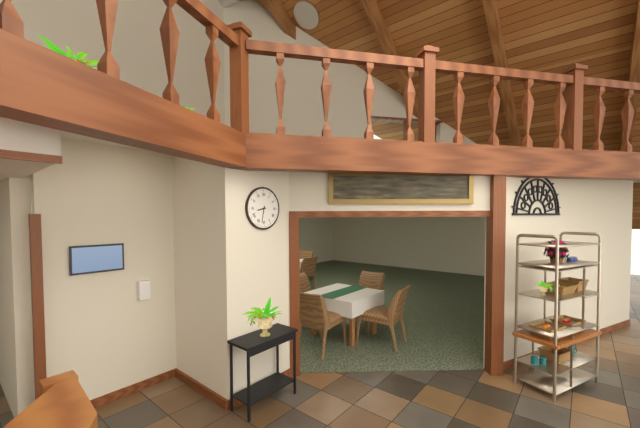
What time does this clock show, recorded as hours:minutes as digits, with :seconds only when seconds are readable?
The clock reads 8:32
